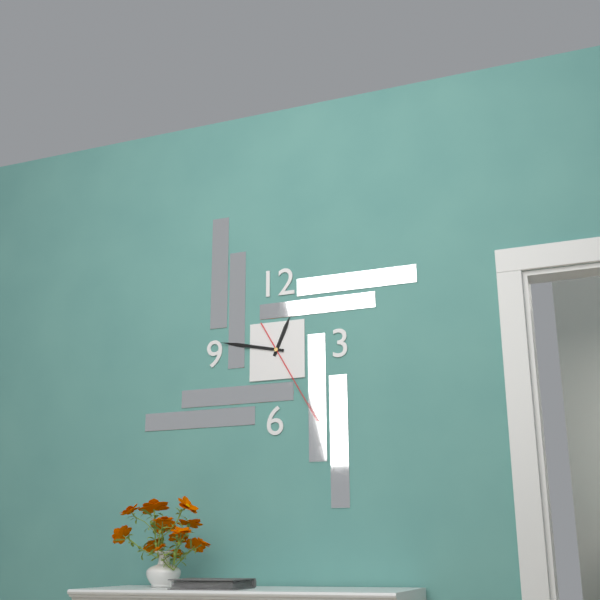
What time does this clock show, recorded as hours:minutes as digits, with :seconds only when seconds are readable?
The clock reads 12:47:25
